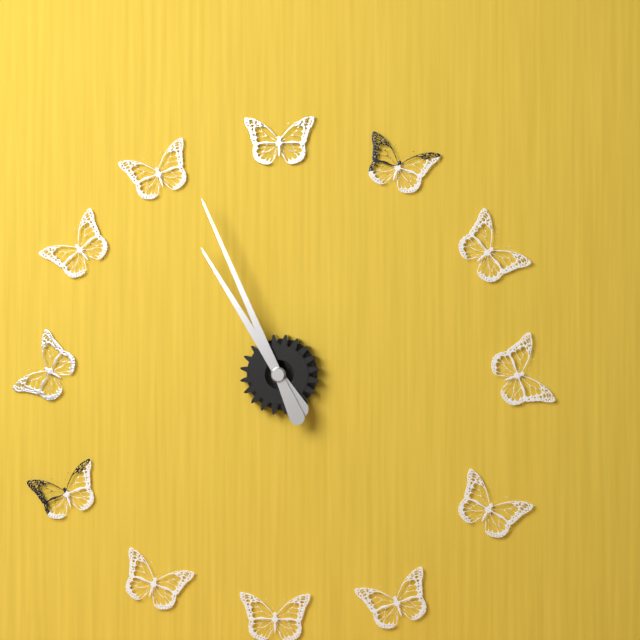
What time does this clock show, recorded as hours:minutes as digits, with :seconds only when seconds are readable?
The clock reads 10:56
